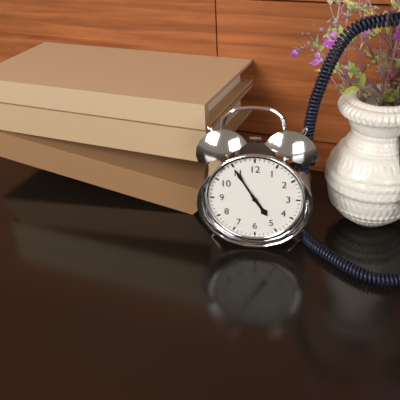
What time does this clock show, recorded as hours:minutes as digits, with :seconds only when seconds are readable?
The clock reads 4:55
